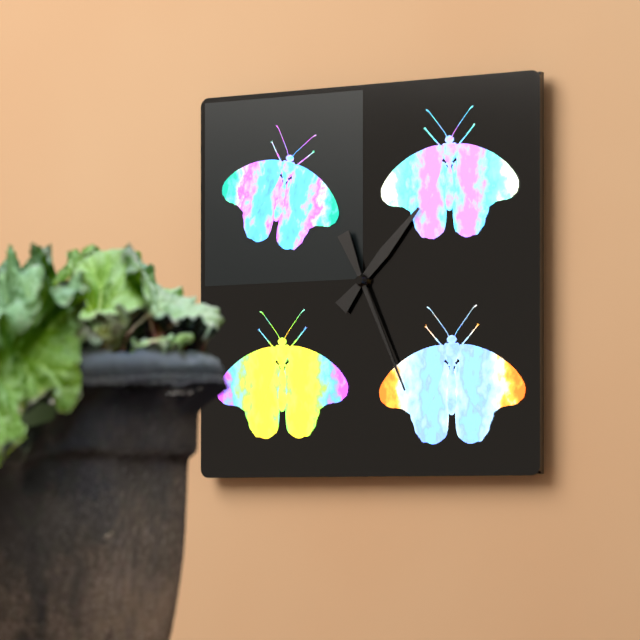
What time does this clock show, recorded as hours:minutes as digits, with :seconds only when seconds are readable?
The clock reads 1:26
